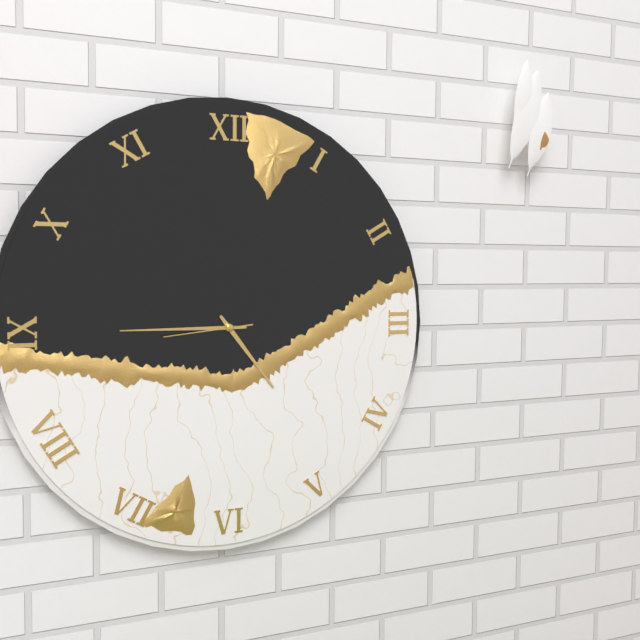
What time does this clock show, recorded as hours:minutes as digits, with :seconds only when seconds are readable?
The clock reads 4:45:44
